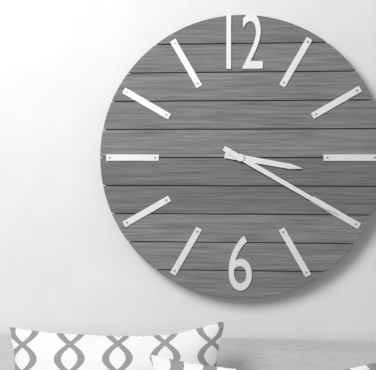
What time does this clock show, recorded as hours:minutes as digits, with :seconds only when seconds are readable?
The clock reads 3:20
